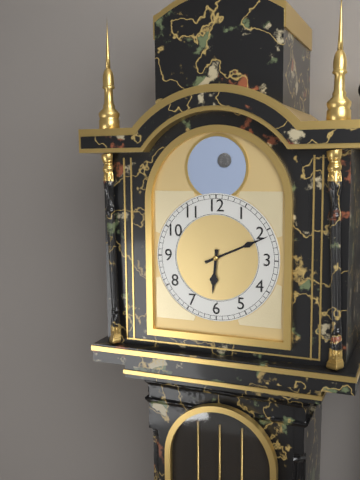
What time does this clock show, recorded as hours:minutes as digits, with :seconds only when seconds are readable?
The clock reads 6:11
